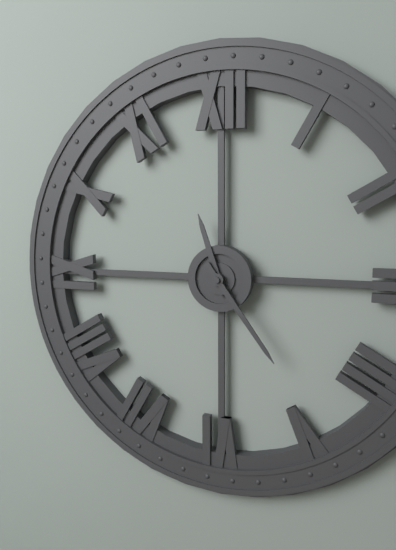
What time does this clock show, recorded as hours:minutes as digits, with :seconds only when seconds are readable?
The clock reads 11:24
